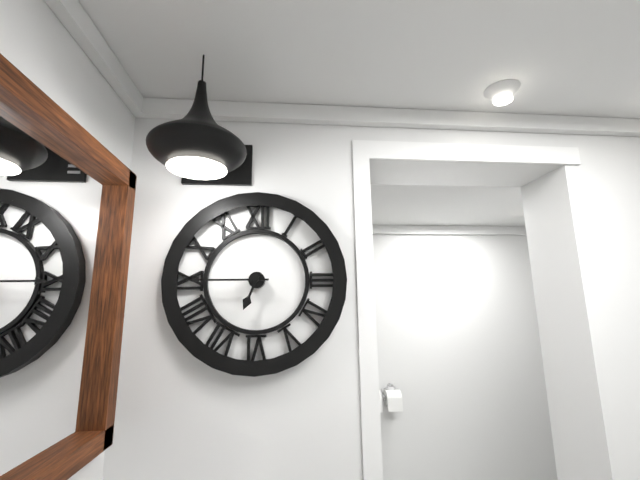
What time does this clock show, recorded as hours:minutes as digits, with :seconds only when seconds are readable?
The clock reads 6:45
